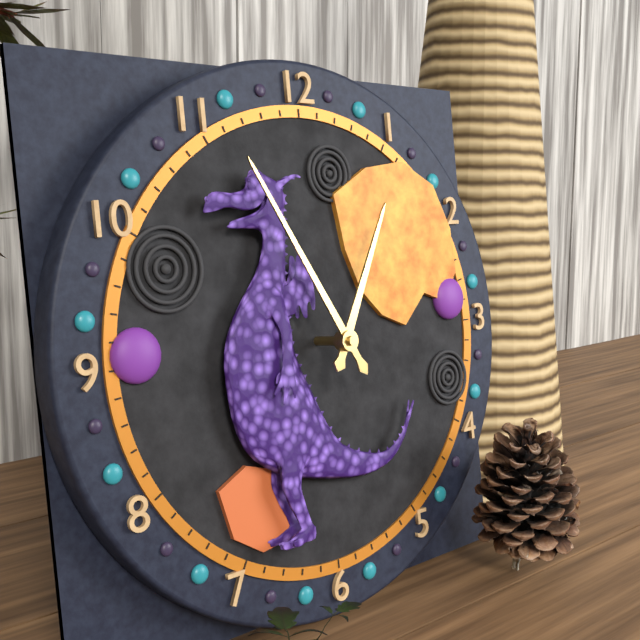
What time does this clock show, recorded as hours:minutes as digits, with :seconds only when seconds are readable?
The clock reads 12:55
